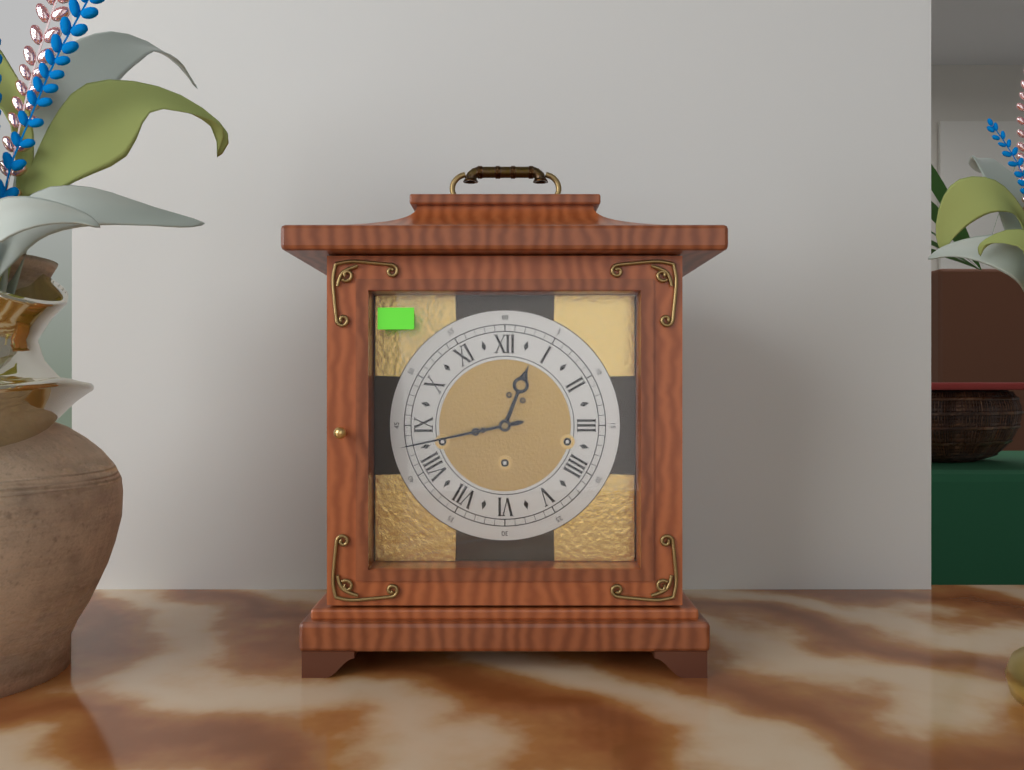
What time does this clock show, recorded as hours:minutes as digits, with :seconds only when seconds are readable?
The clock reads 12:43
